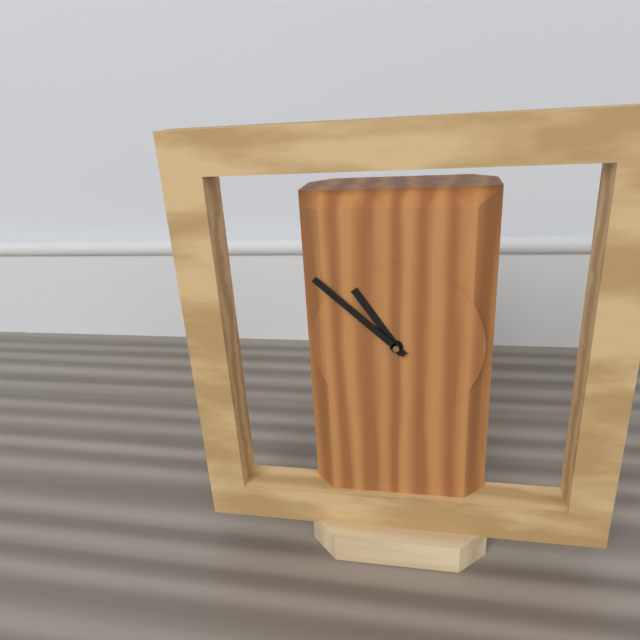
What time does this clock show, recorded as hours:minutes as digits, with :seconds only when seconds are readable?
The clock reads 10:52
